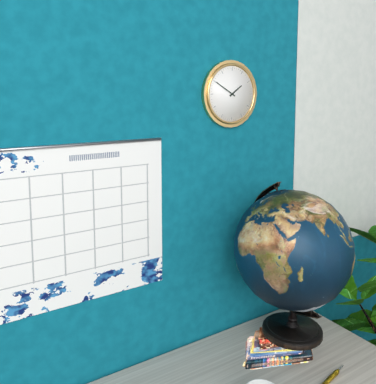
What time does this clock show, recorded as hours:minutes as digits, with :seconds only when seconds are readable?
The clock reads 1:50
